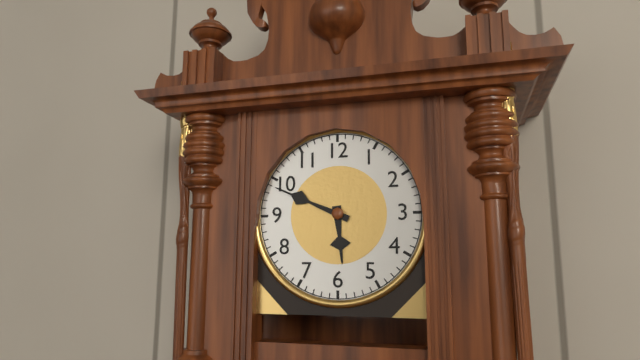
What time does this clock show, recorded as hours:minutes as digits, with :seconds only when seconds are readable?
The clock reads 5:49
